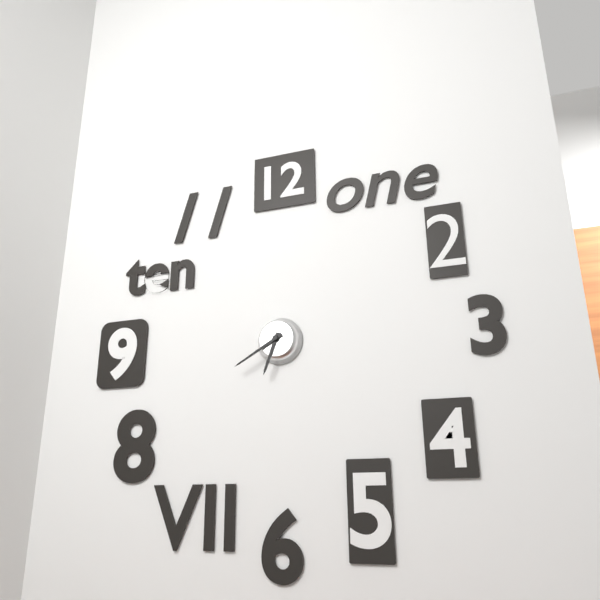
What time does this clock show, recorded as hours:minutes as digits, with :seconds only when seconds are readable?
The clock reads 6:40
